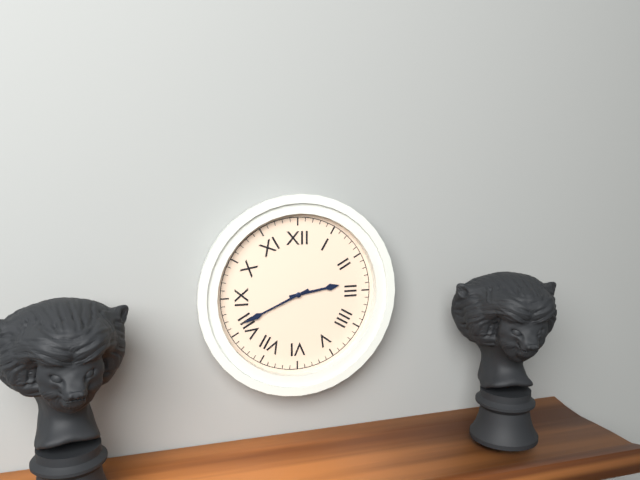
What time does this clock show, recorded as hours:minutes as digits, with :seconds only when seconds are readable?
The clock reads 2:41
